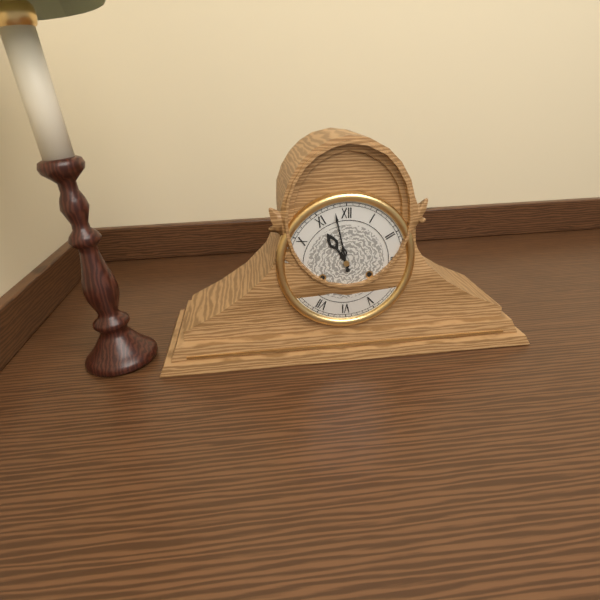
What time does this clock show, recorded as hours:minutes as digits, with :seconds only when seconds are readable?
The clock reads 10:58
